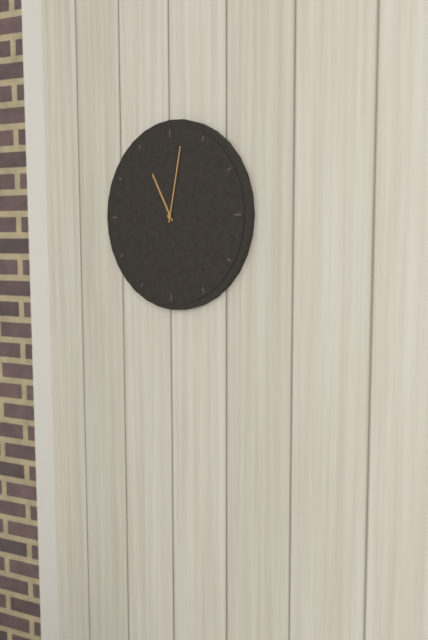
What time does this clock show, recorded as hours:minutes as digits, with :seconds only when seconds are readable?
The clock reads 11:02
